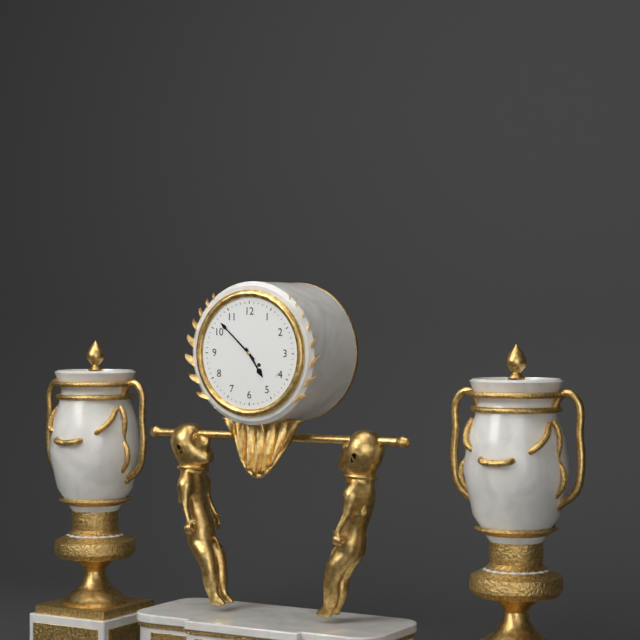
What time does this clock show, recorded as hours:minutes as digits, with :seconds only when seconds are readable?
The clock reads 4:52
